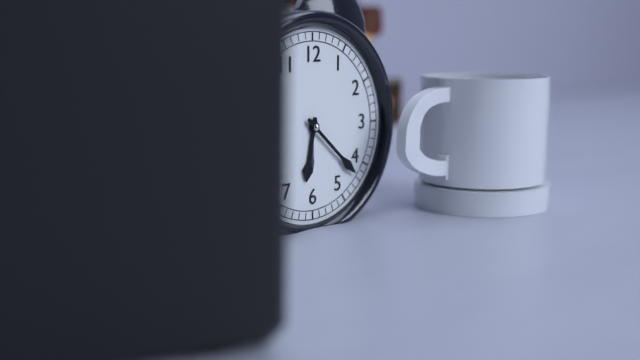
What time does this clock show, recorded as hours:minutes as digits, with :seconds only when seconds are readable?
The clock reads 6:22
